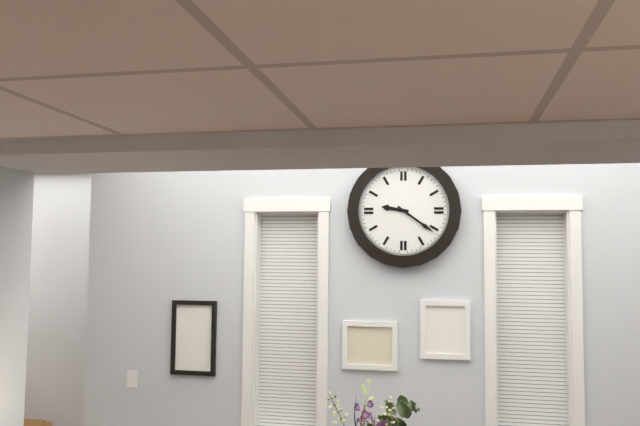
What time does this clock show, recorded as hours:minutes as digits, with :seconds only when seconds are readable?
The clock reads 9:21
